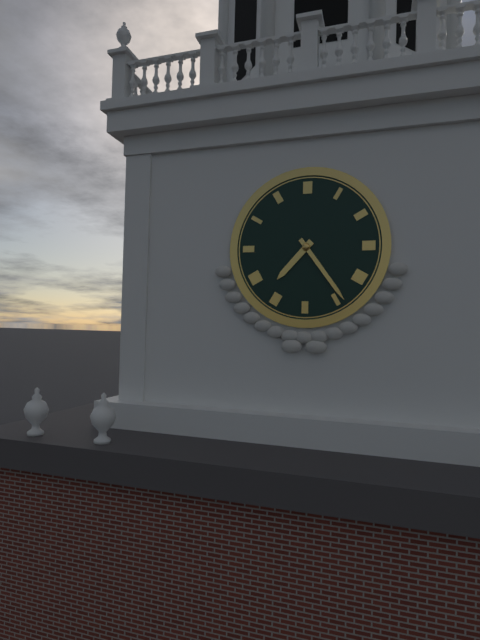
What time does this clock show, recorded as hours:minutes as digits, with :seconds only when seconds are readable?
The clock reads 7:24
